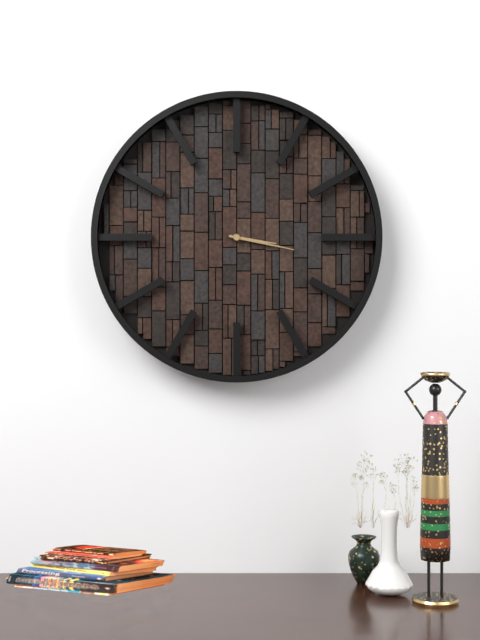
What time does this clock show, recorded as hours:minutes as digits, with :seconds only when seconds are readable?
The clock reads 3:17
